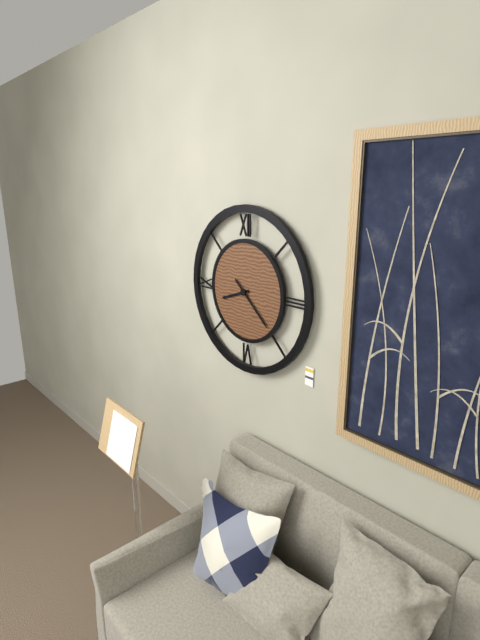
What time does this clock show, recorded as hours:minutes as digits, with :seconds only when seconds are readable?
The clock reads 8:22
